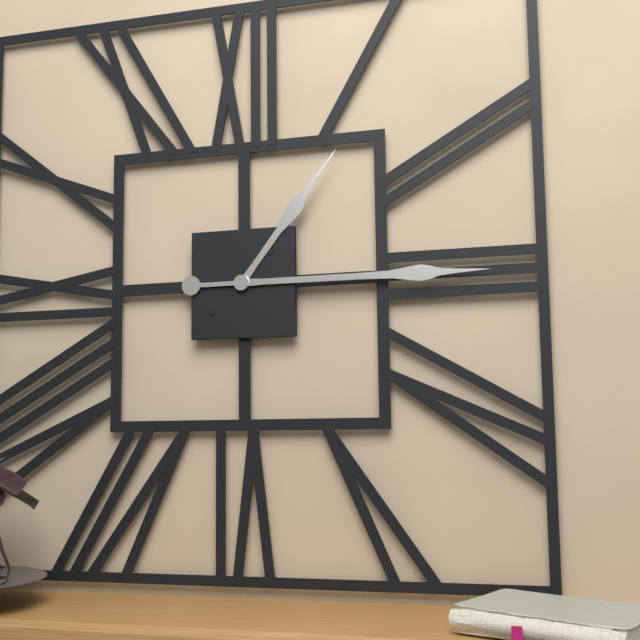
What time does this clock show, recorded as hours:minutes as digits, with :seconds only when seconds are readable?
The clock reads 1:15
